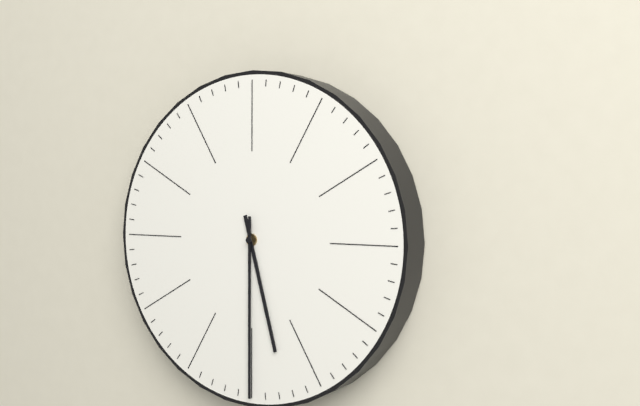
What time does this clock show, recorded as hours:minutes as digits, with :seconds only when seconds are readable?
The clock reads 5:30
